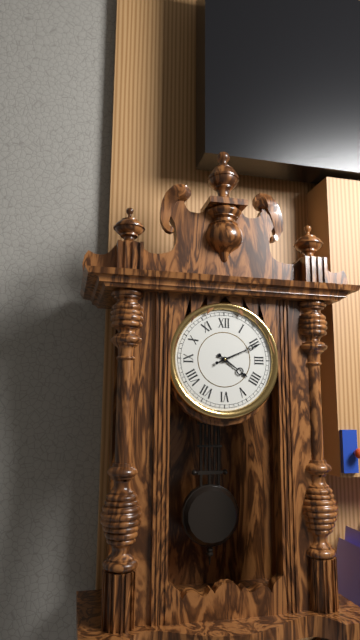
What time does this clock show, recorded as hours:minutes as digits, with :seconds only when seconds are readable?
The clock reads 4:11
